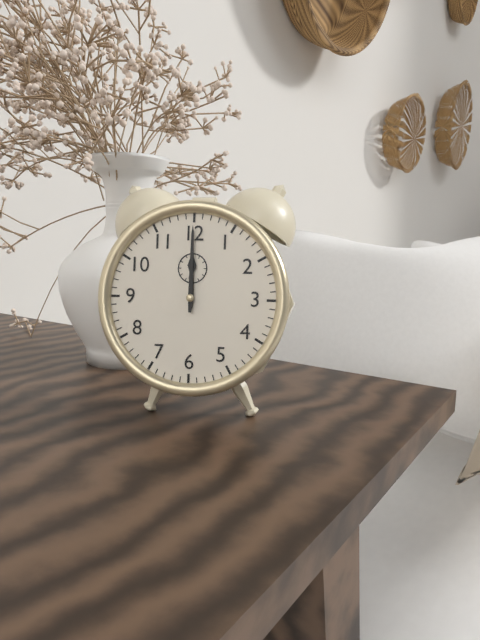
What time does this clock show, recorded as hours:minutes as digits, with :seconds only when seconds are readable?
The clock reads 12:00
